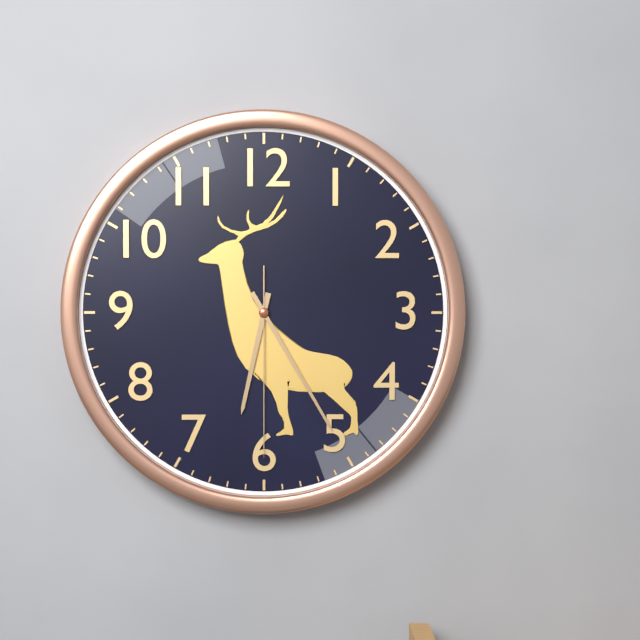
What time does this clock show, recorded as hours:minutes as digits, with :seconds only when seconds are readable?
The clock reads 6:25:30
